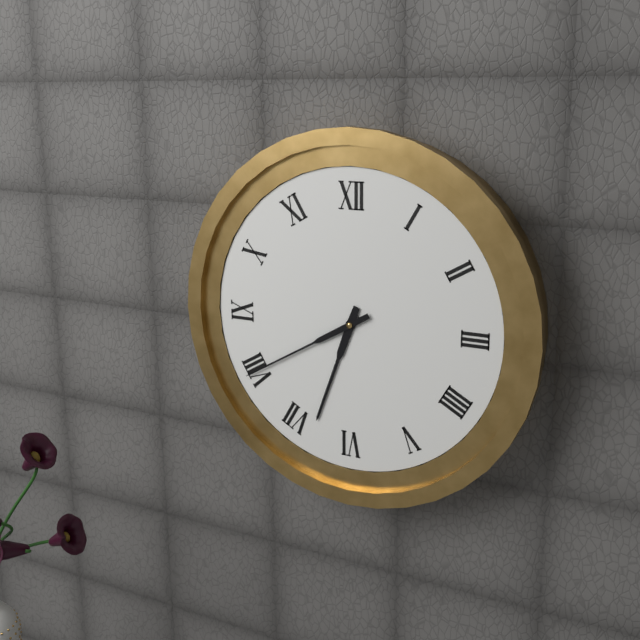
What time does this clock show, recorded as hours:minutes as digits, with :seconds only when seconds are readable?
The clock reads 6:40
